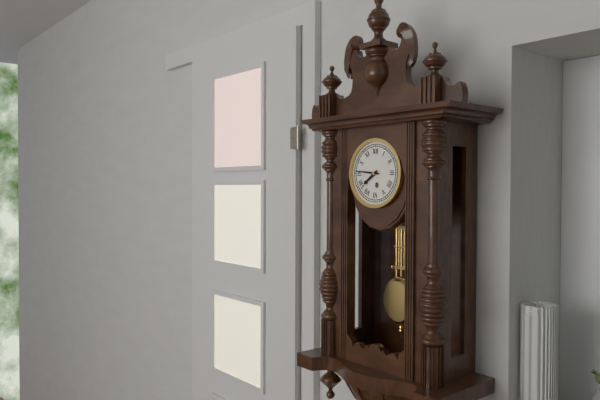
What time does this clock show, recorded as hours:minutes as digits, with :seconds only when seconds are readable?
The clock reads 7:46
